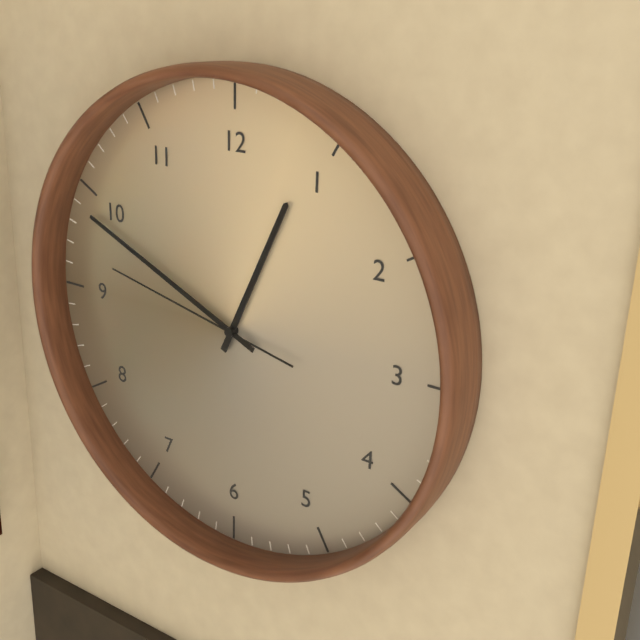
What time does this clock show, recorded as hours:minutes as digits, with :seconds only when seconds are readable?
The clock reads 12:49:47
